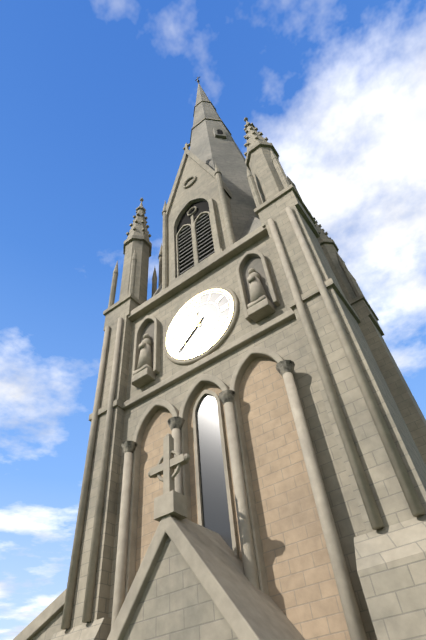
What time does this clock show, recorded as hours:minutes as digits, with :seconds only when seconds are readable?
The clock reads 11:38
